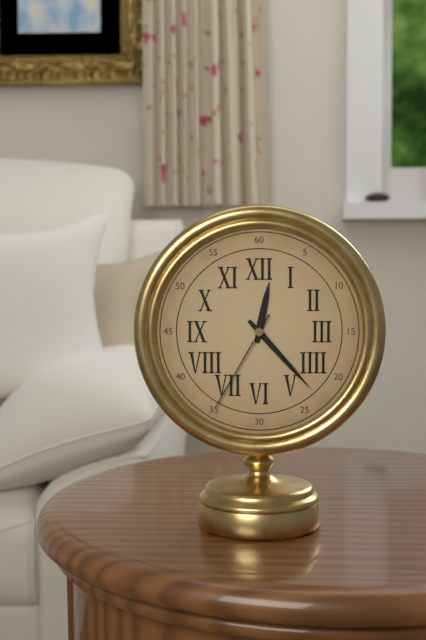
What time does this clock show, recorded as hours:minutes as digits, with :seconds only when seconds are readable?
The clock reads 12:23:35
